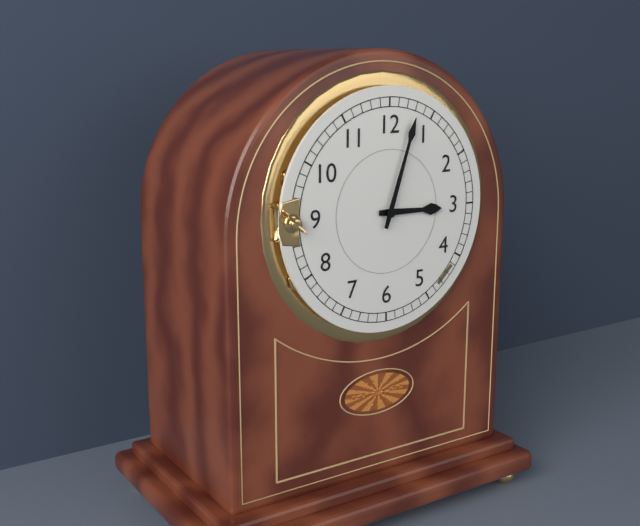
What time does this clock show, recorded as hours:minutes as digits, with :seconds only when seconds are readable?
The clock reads 3:03
